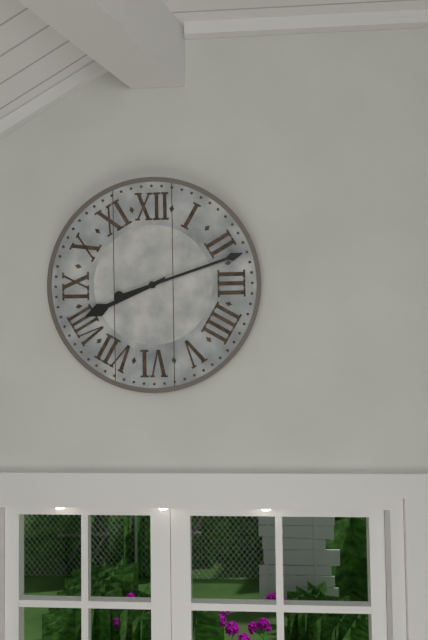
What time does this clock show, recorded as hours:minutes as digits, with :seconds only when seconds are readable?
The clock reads 8:12
